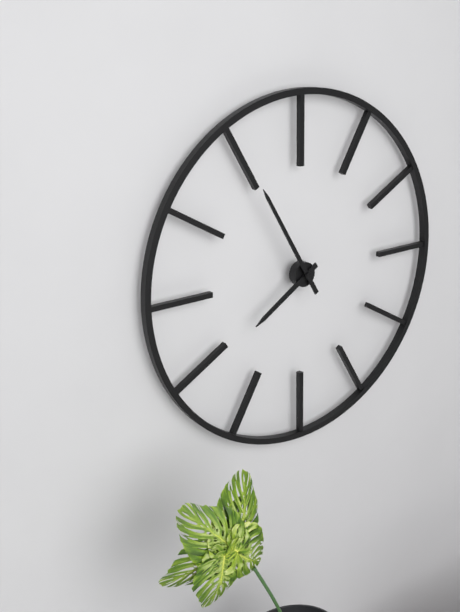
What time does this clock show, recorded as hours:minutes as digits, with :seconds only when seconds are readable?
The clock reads 7:55
